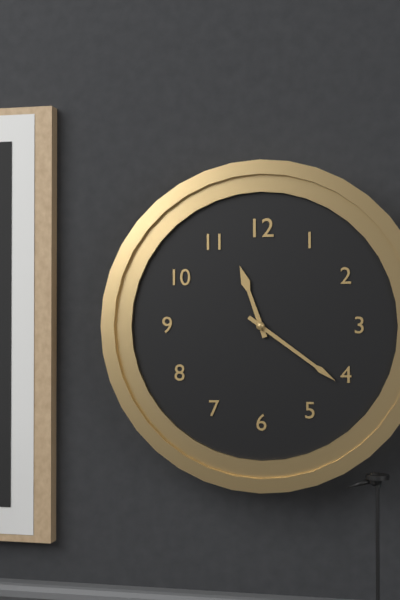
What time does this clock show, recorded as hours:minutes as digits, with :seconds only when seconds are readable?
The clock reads 11:21
